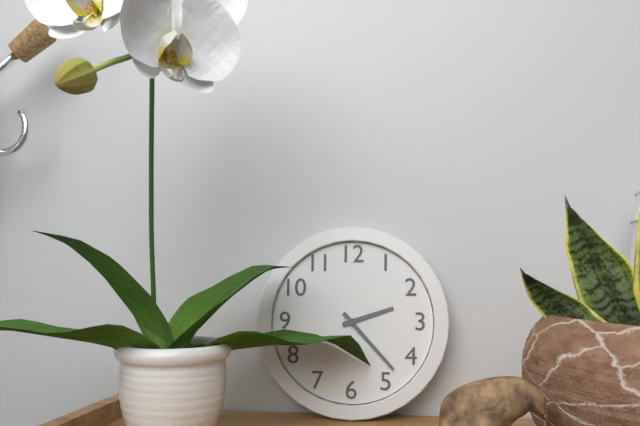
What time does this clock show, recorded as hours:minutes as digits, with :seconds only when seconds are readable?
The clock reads 2:23
